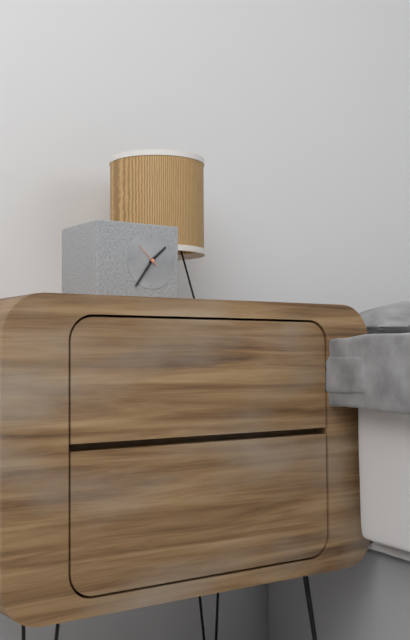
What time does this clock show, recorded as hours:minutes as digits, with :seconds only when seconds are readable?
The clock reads 1:36
